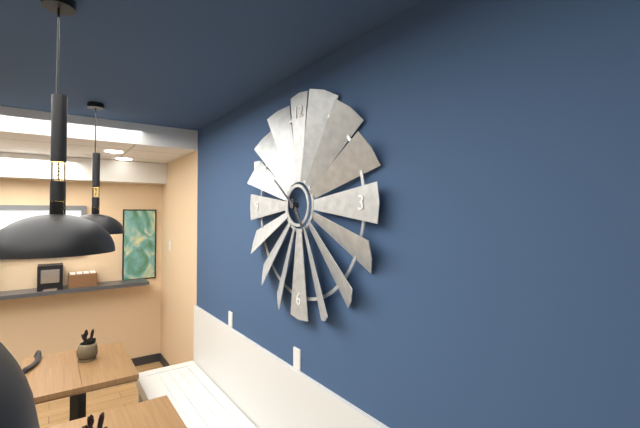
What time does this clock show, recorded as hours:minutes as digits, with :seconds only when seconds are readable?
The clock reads 4:51
